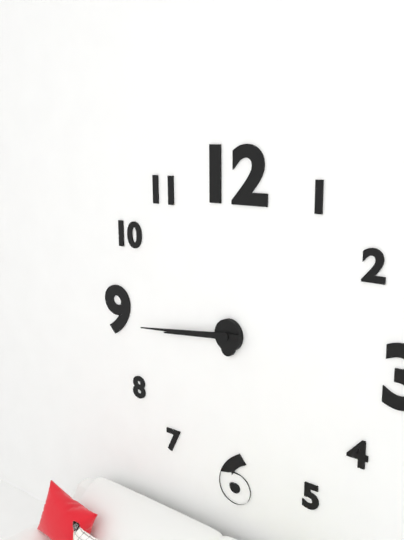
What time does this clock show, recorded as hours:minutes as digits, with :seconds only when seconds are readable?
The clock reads 8:44
